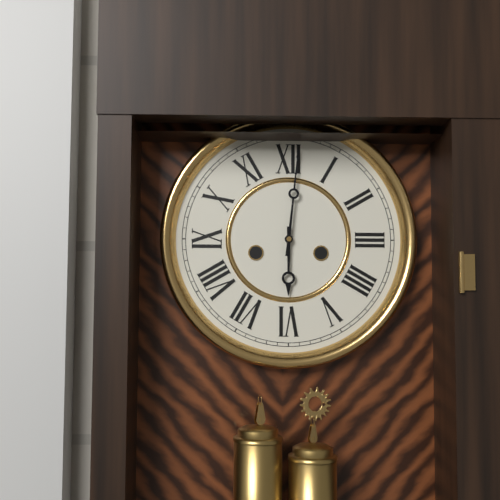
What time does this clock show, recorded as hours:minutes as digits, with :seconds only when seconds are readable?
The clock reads 6:01
